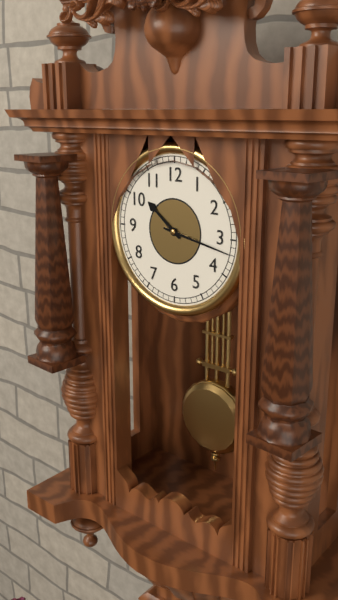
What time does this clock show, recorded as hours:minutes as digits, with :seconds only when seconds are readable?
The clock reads 10:17
